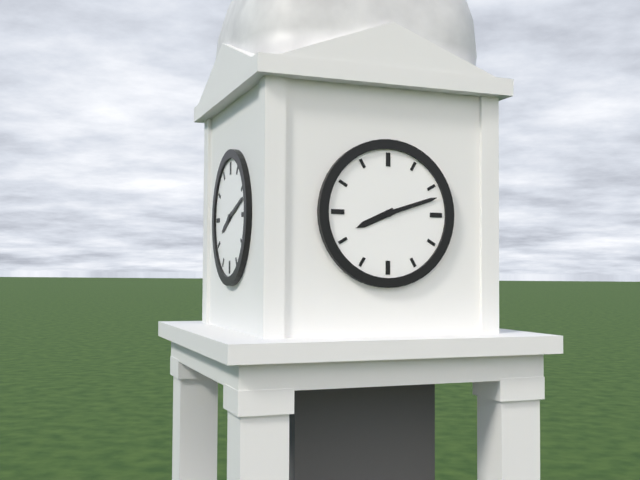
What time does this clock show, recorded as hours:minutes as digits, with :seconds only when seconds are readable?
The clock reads 8:12
